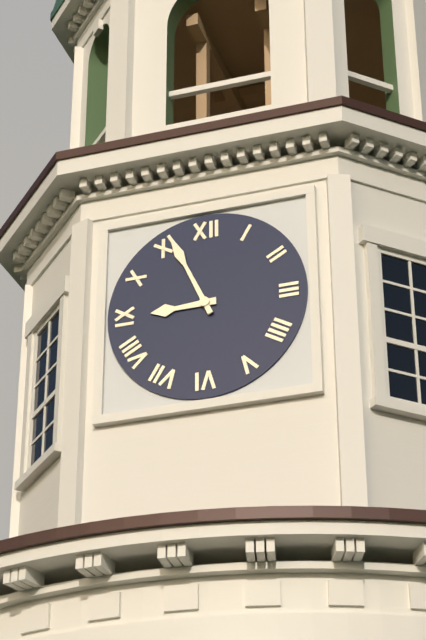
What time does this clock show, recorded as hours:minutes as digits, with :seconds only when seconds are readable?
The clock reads 8:56
